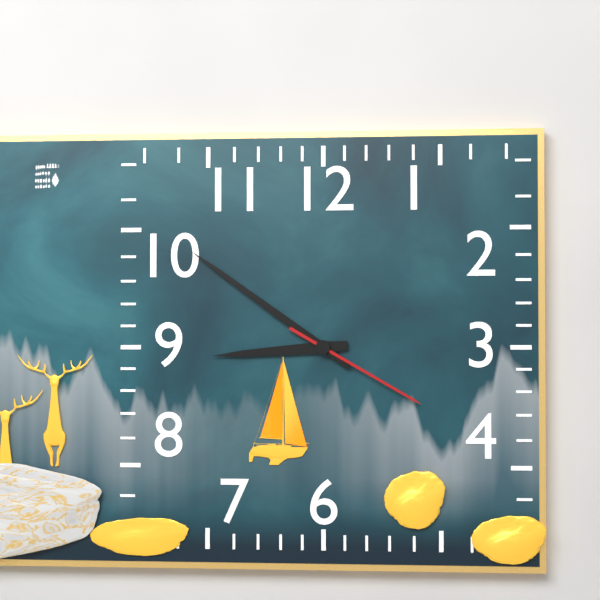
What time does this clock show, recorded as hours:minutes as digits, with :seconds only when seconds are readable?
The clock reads 8:51:20
